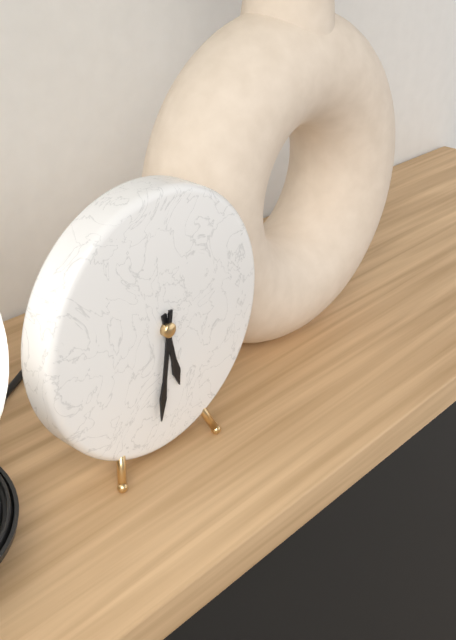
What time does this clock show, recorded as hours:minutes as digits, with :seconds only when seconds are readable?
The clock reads 5:31
